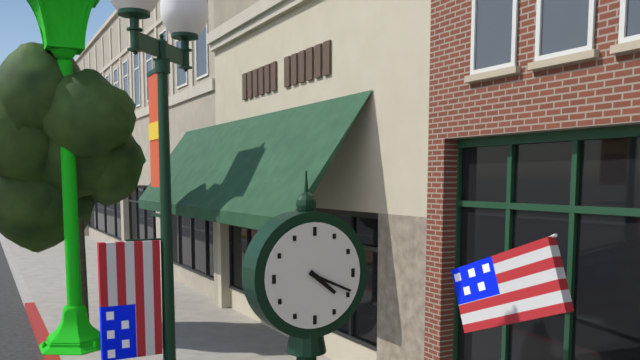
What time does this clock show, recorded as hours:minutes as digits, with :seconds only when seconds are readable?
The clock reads 4:19
